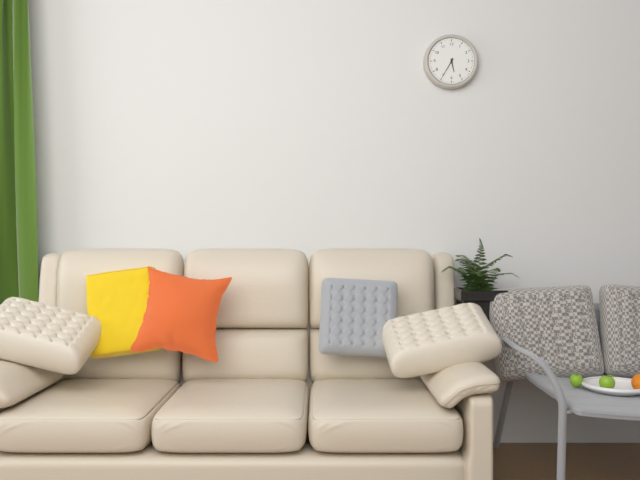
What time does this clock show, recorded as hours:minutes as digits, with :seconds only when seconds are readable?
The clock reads 5:35
